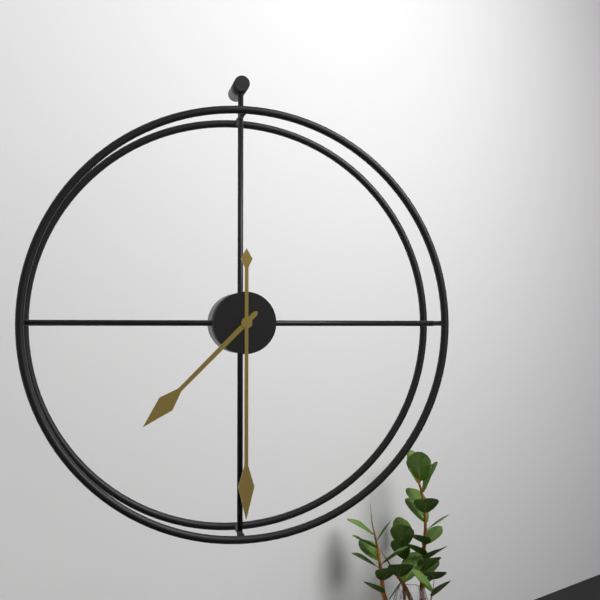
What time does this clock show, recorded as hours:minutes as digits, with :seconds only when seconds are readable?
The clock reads 7:30
